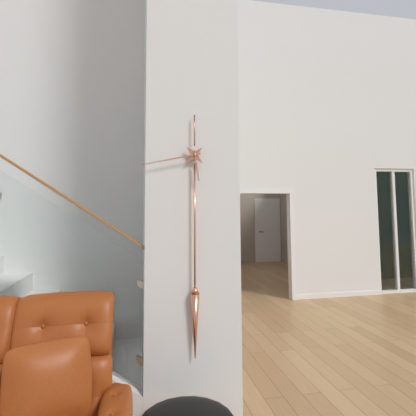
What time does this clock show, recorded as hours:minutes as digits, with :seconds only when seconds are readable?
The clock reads 5:43
